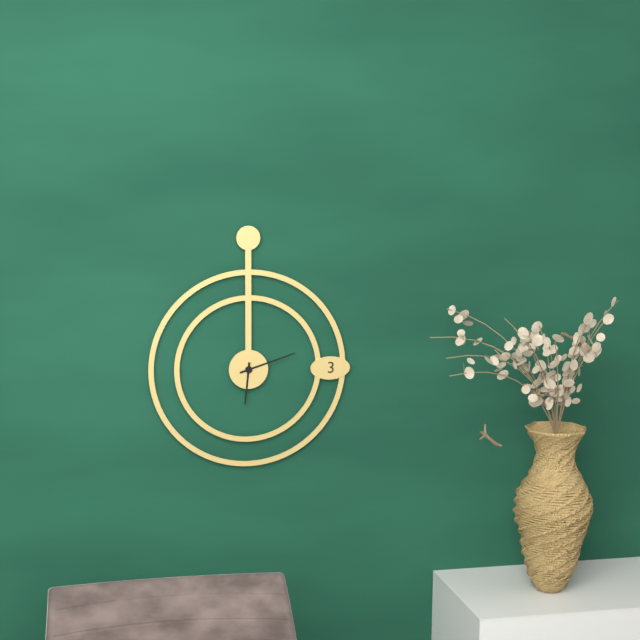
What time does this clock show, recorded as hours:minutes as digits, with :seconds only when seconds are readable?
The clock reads 6:12
